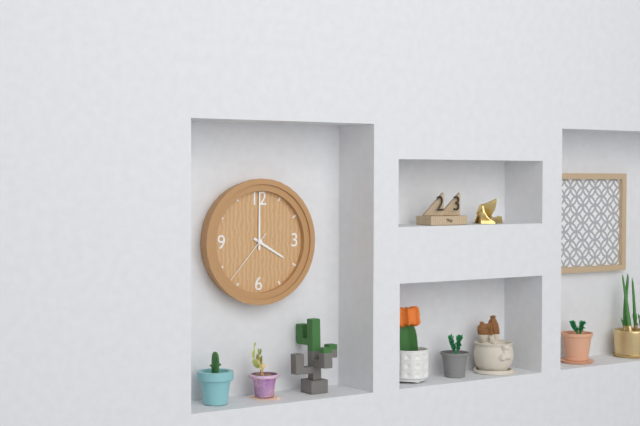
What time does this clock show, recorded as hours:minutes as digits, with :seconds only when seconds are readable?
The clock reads 4:00:37
